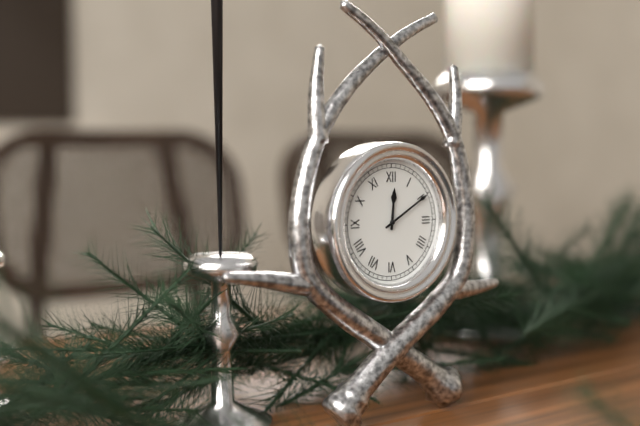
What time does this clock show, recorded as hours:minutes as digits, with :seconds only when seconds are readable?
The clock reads 12:10
